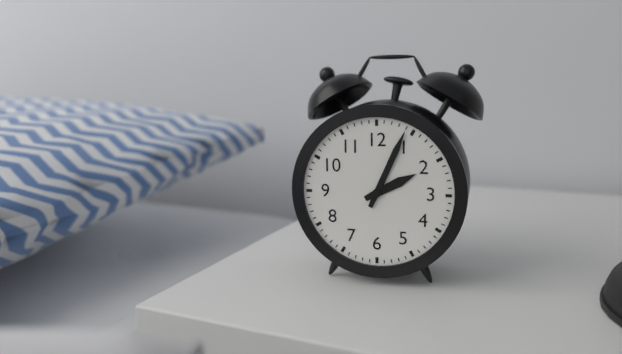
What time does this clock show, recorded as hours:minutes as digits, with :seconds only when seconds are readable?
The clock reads 2:04
